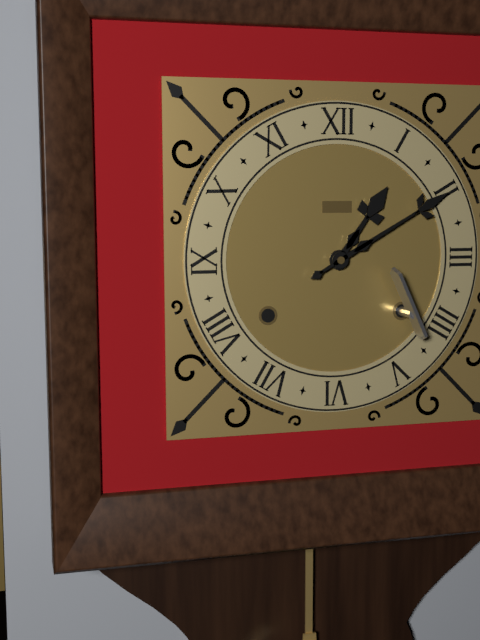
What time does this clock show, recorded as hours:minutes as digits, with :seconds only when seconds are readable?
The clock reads 1:10
